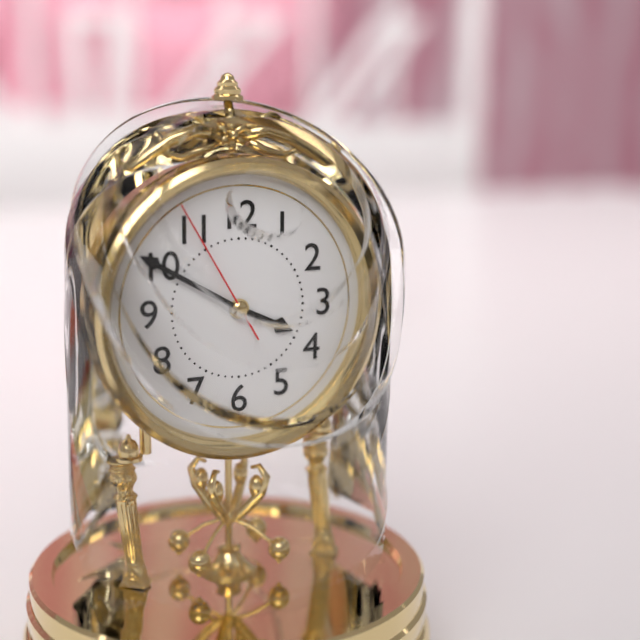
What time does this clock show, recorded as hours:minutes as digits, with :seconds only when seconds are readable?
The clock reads 3:50:55
